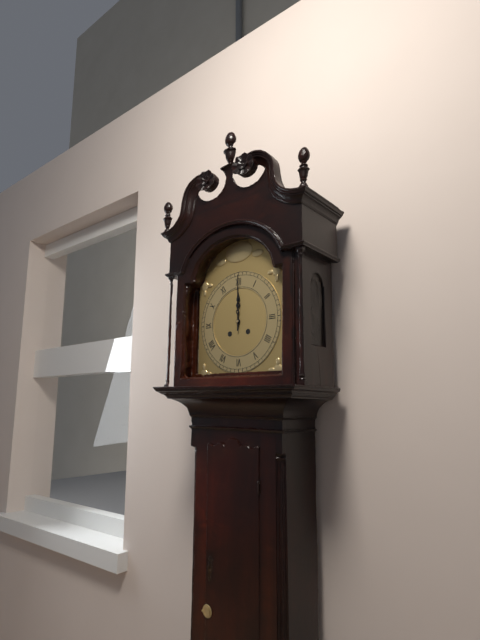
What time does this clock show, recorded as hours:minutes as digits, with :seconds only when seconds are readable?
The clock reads 12:00
